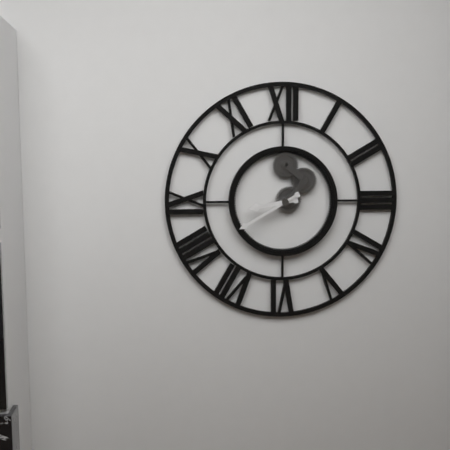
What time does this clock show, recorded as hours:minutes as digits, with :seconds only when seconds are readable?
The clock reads 8:40
